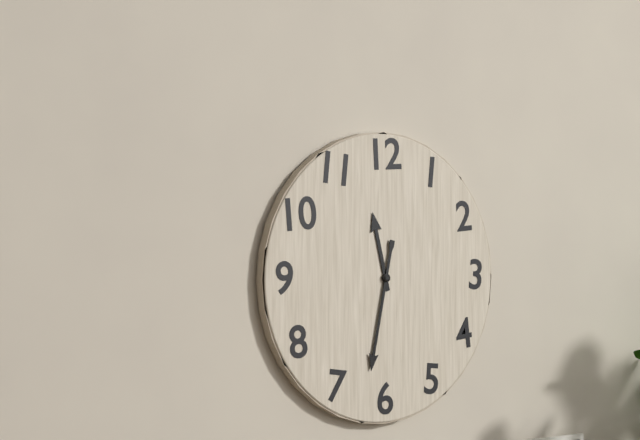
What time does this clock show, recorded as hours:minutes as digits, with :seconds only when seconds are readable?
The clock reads 11:32
